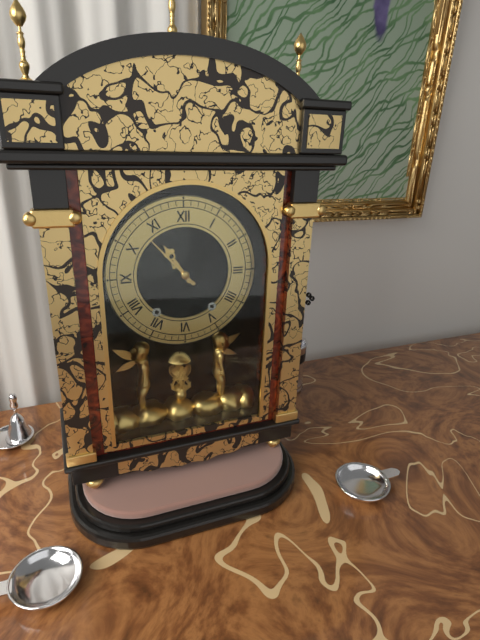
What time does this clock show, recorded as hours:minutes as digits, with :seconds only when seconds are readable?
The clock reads 10:53
